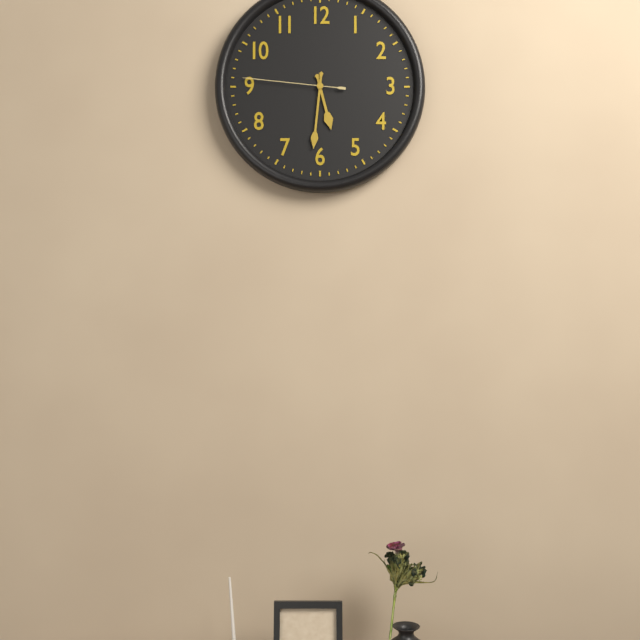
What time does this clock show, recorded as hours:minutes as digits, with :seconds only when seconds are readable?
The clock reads 5:31:46
